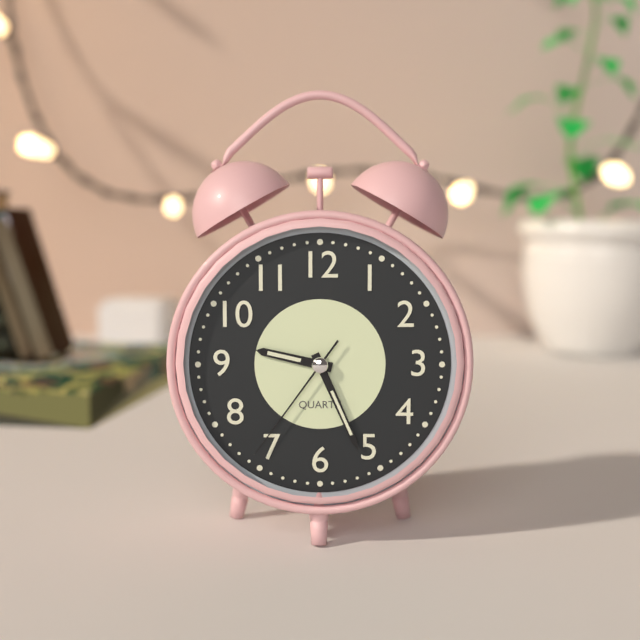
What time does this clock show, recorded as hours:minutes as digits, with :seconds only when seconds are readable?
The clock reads 9:26:36
